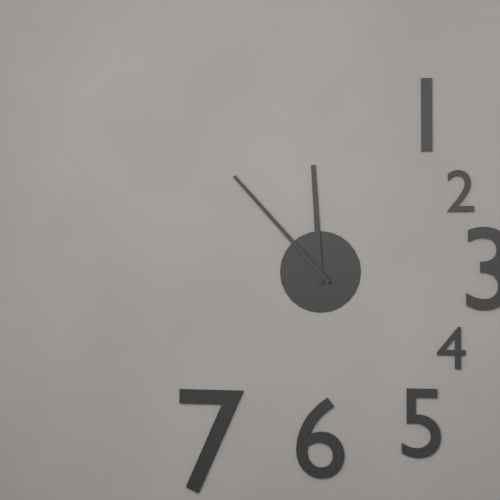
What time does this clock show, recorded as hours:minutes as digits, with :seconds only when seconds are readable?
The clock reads 11:53
